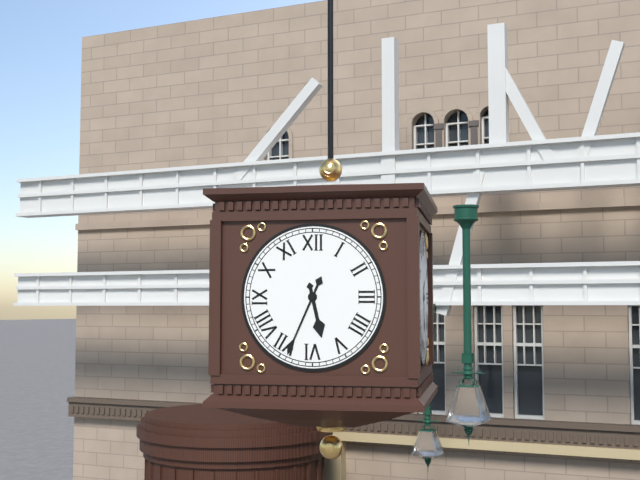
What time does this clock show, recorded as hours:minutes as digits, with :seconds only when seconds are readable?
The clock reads 5:34
